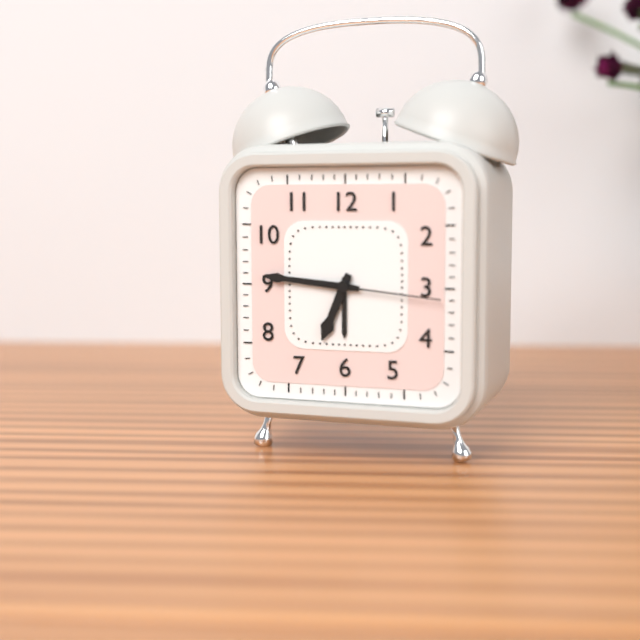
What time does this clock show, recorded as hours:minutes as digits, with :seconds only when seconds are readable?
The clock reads 6:46:16
